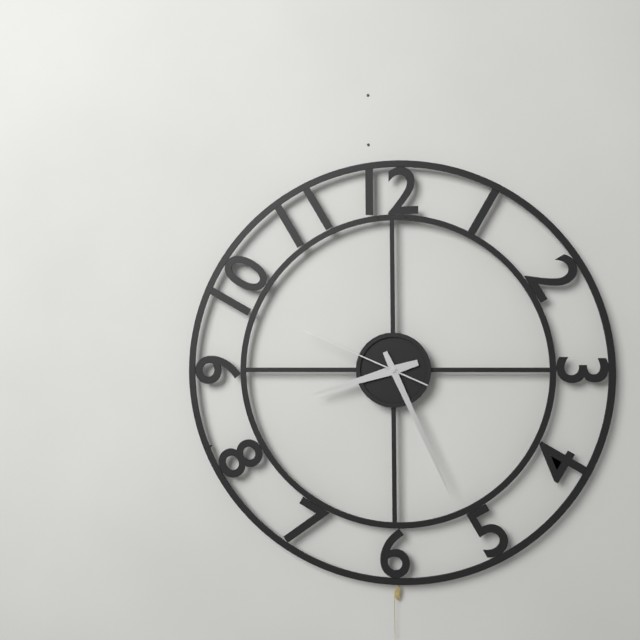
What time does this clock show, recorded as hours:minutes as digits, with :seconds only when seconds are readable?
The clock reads 8:26:49
